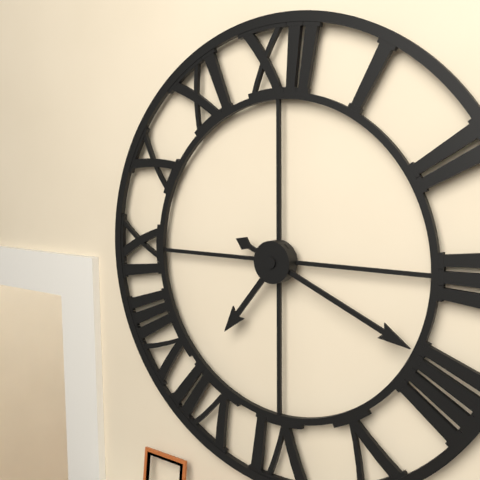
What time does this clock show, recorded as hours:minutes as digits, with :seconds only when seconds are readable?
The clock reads 7:19
